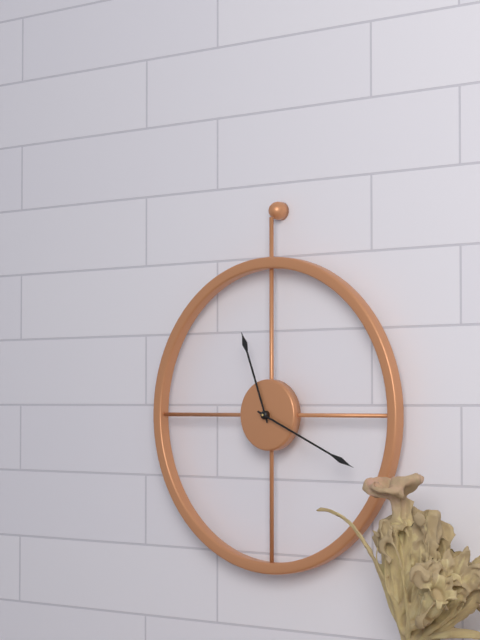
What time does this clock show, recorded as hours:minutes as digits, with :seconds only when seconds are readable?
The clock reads 11:19
